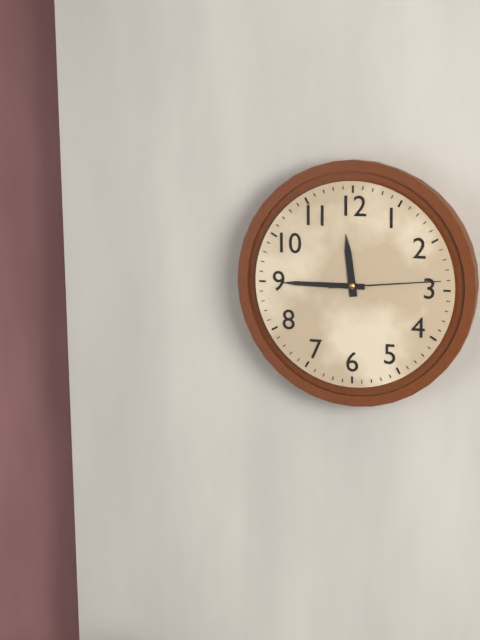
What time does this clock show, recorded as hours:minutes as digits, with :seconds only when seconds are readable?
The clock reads 11:45:14
